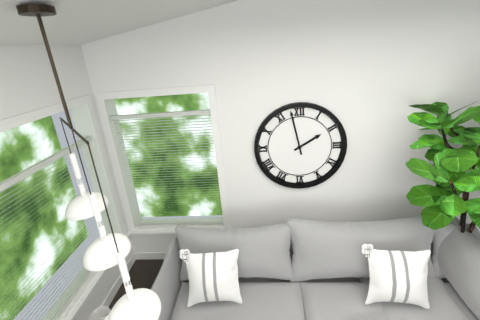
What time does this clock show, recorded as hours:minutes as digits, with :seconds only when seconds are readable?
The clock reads 1:58
